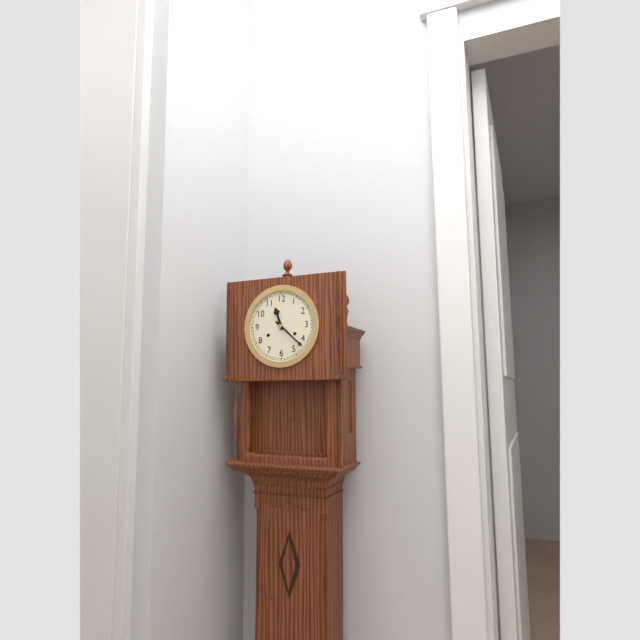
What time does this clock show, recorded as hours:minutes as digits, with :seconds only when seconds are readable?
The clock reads 11:22
